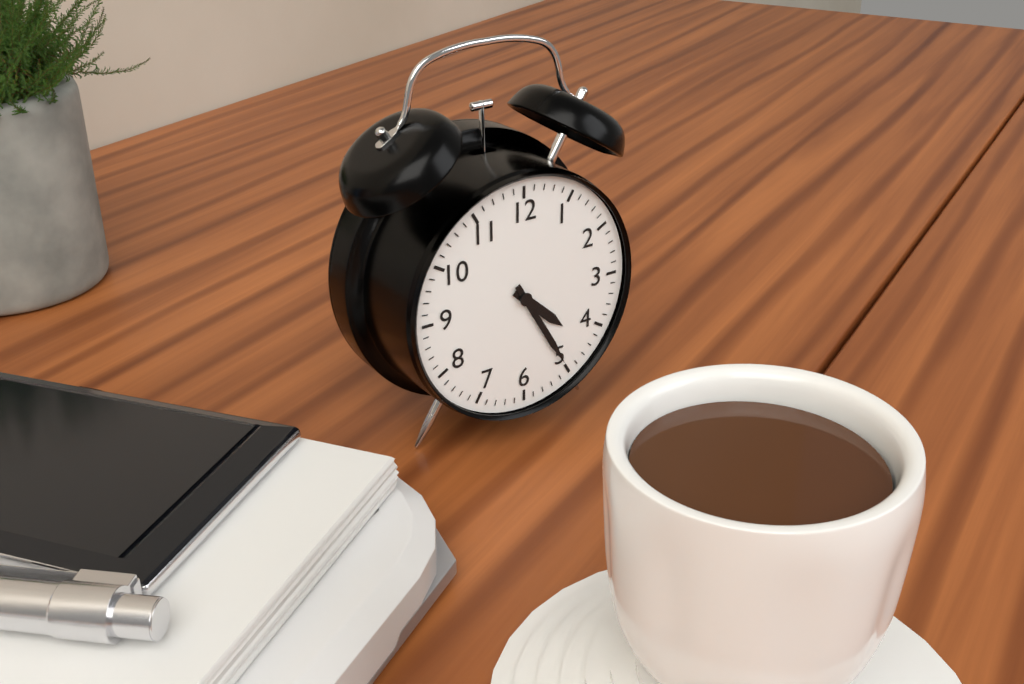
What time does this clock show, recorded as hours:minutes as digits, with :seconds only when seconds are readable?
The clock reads 4:25
